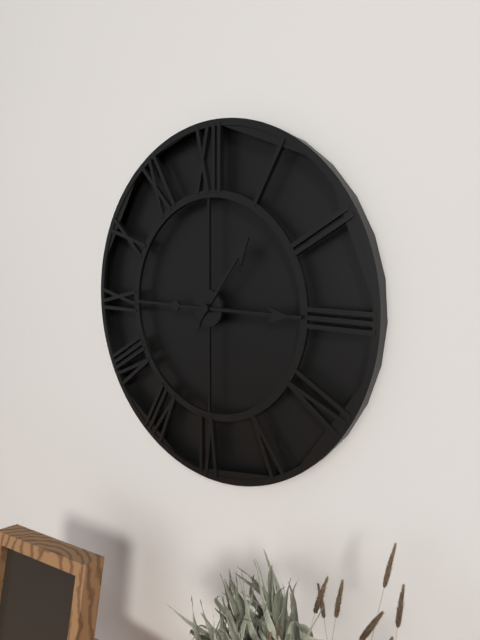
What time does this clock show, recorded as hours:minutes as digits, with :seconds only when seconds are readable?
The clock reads 1:15
